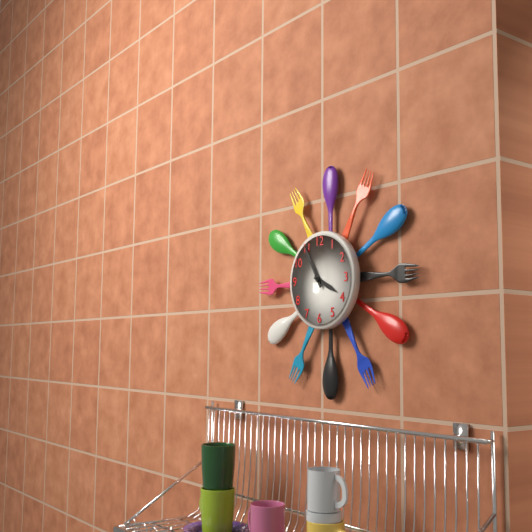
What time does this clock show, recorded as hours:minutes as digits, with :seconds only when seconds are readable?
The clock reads 3:55
